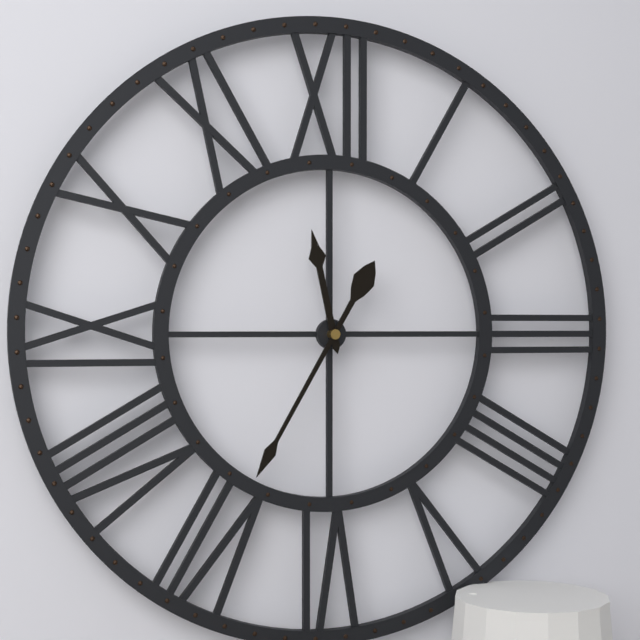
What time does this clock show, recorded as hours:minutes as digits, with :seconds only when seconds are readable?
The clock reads 11:35
